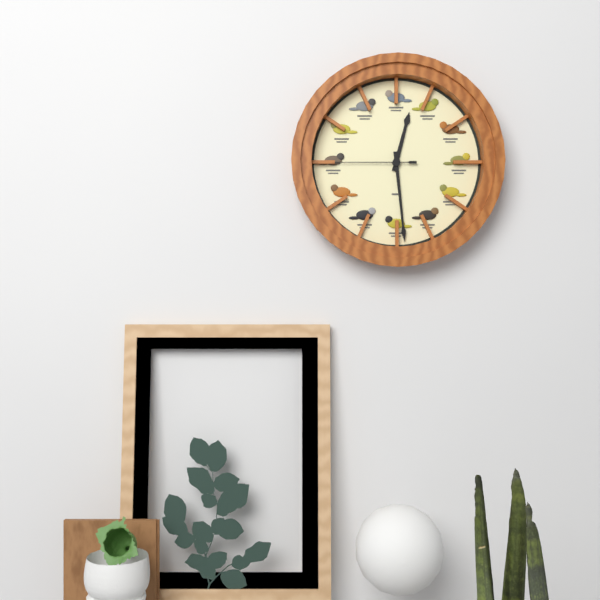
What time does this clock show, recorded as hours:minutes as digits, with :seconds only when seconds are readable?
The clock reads 12:29:45
